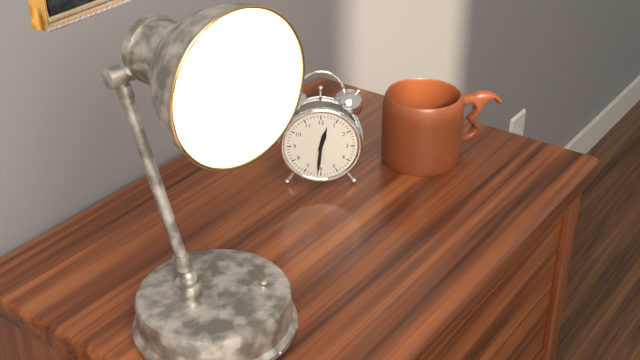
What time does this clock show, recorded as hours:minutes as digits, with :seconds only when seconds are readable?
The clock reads 12:31
